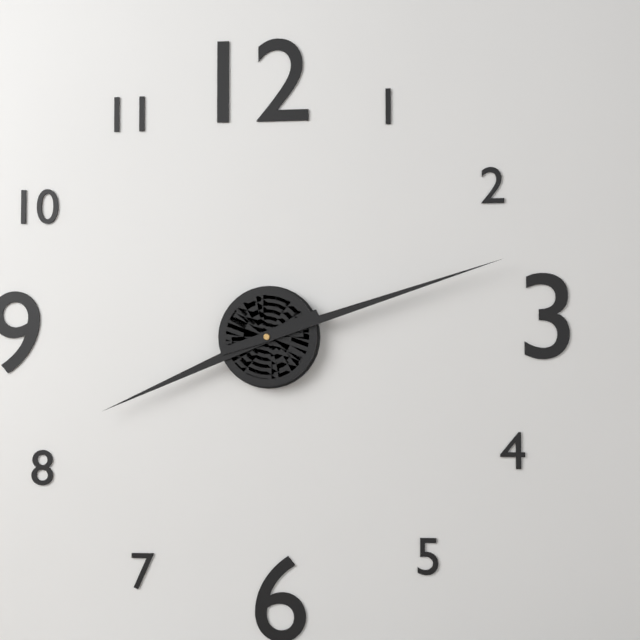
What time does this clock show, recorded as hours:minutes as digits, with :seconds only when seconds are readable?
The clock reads 8:12
